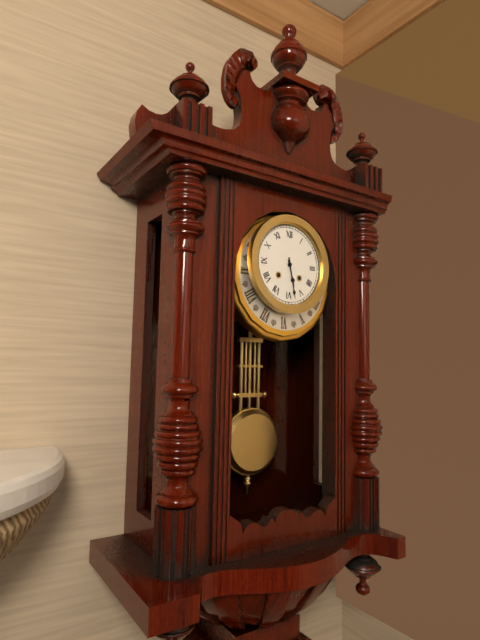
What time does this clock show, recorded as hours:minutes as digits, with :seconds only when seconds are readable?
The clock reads 5:28
